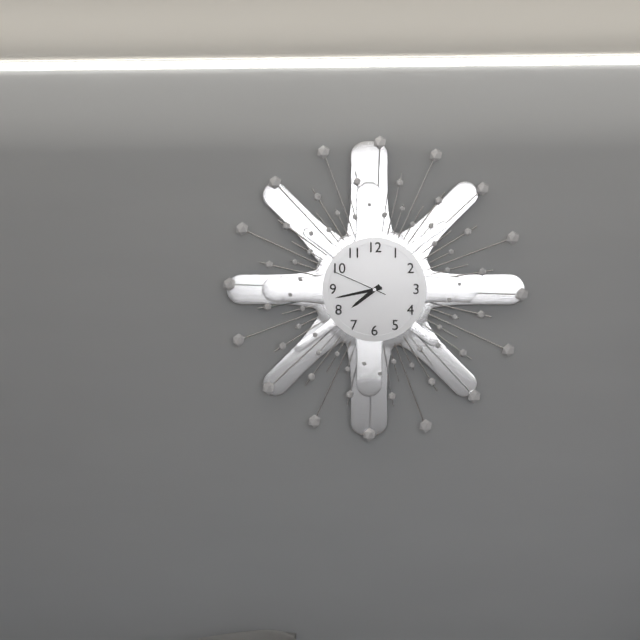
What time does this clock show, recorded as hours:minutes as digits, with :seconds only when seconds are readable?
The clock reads 7:43:49
